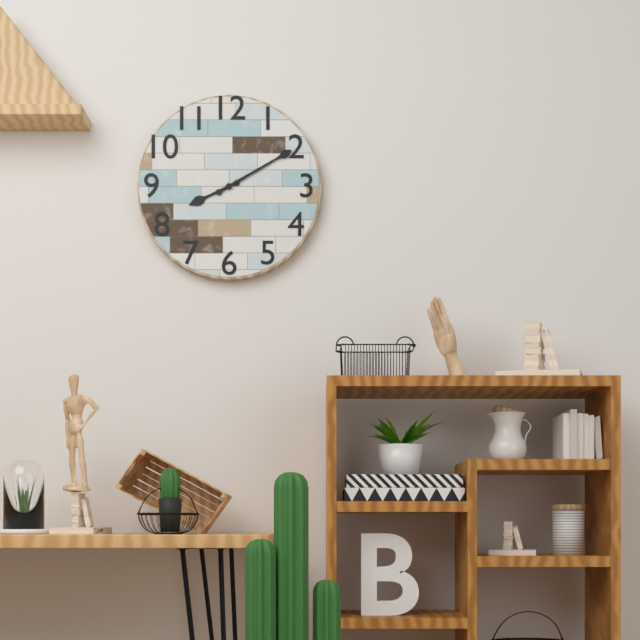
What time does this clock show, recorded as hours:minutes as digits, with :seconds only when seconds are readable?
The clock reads 8:10
